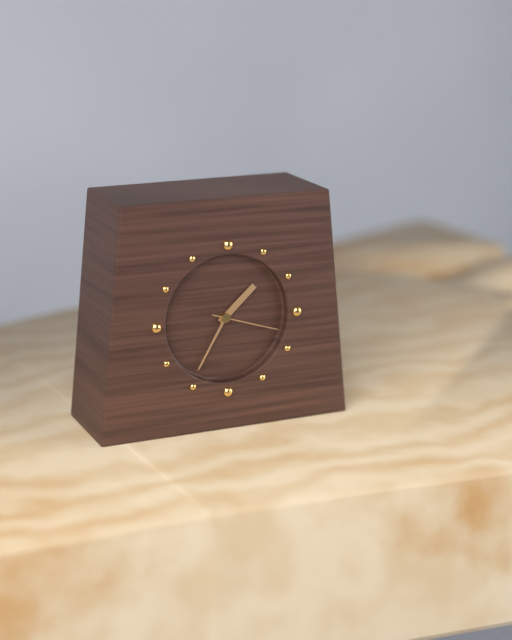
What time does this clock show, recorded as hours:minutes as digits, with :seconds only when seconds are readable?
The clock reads 1:35:18
